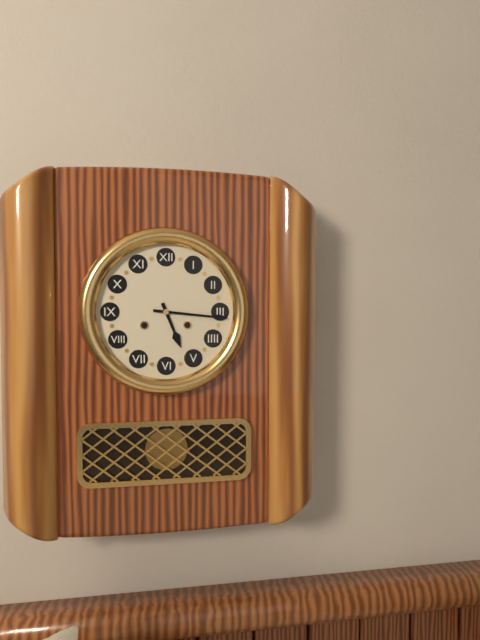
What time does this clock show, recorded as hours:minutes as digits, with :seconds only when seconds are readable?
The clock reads 5:16
